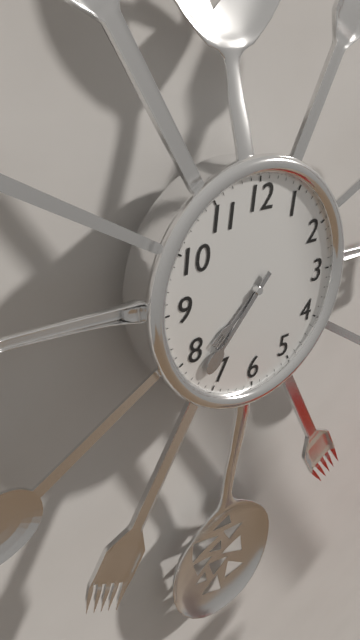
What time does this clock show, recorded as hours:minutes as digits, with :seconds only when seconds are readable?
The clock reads 7:37
